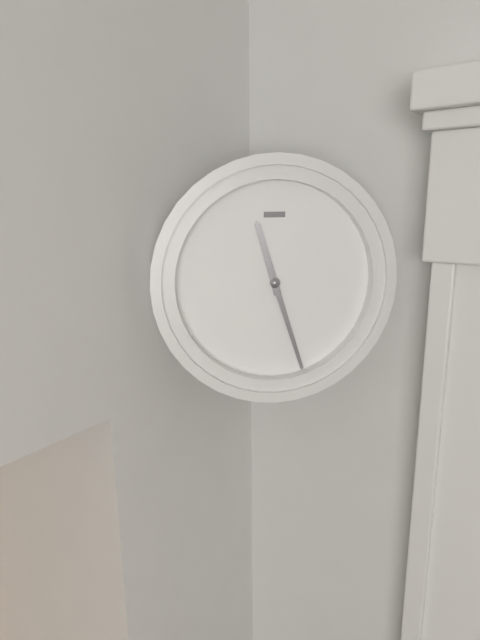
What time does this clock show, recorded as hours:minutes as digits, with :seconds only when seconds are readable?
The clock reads 11:27
